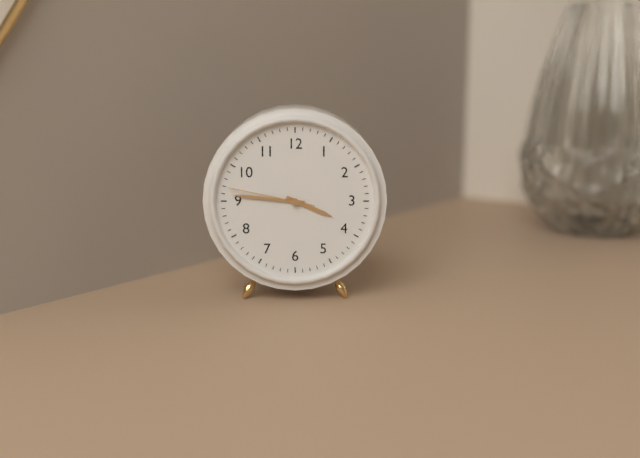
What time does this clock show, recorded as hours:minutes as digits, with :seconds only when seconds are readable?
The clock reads 3:46:47
